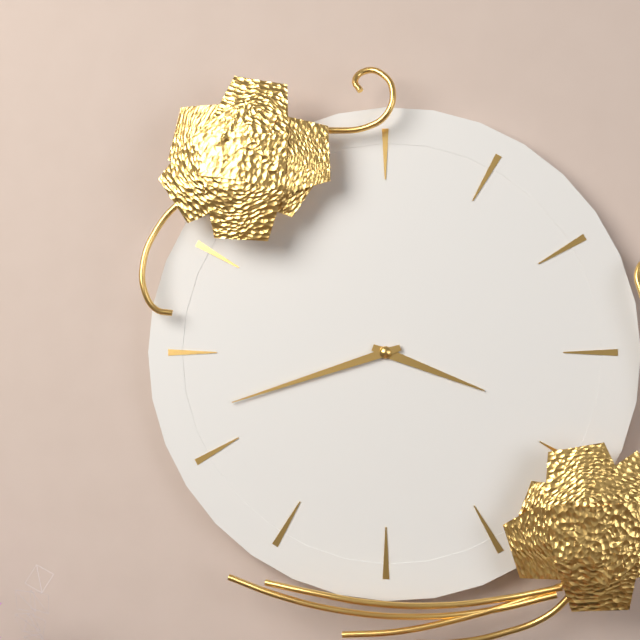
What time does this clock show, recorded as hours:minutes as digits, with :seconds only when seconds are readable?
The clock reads 3:42
